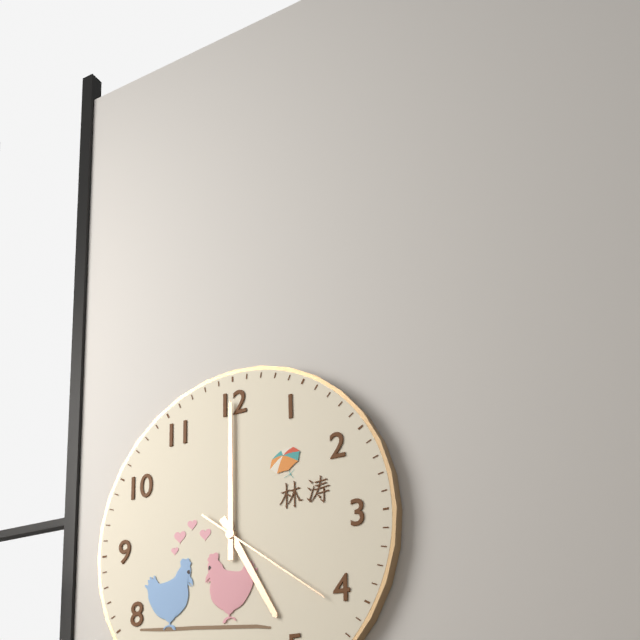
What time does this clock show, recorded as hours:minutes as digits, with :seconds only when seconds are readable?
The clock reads 5:00:21
